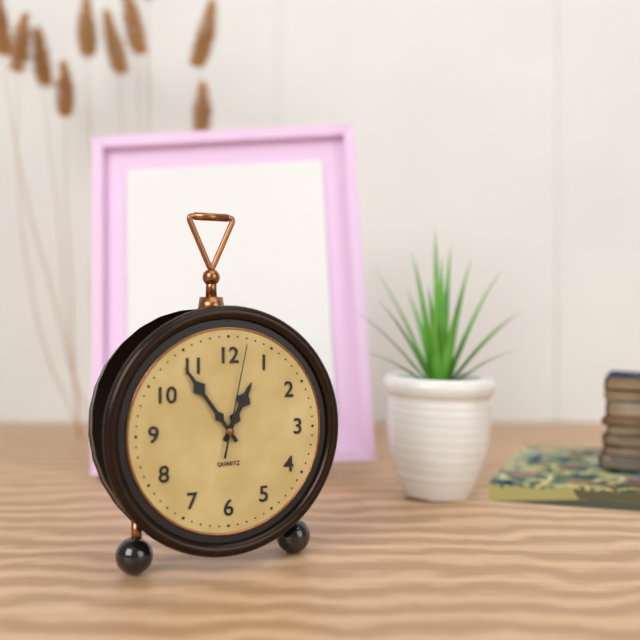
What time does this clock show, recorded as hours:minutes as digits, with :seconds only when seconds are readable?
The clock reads 12:54:02
